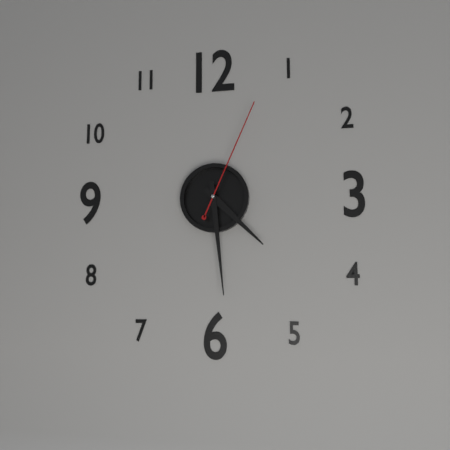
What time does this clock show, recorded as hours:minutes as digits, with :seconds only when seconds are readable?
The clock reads 4:29:04
